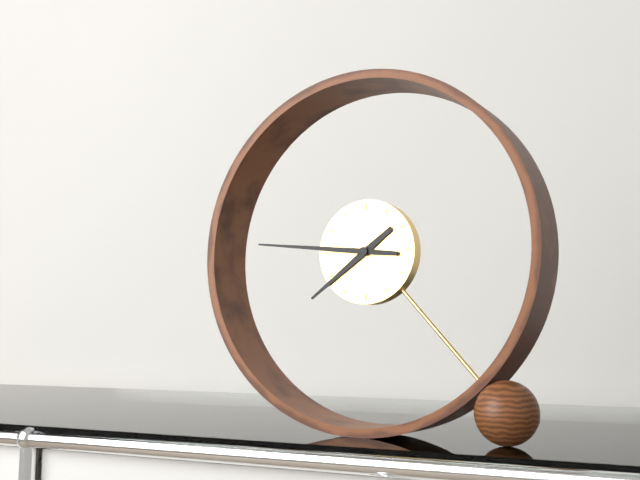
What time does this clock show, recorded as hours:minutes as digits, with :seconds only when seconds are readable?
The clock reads 7:46
